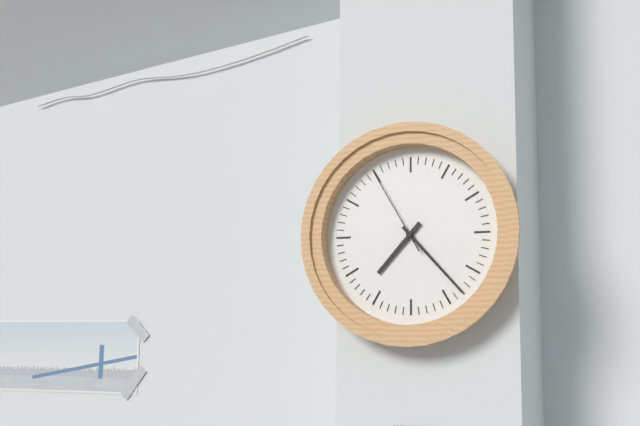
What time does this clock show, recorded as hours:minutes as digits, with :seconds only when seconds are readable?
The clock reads 7:23:55
